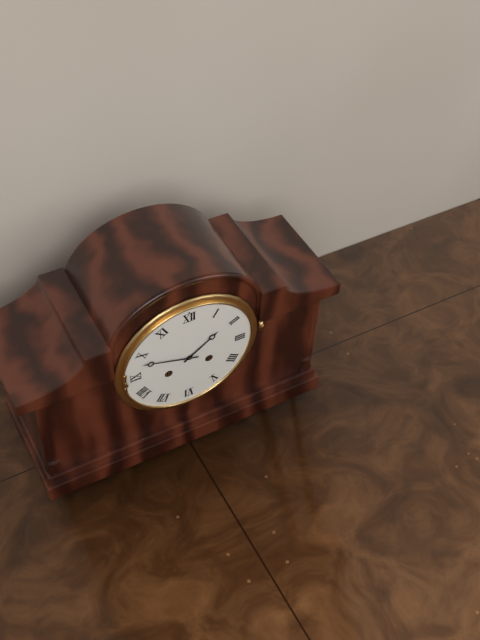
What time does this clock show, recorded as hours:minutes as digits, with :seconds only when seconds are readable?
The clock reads 1:48
